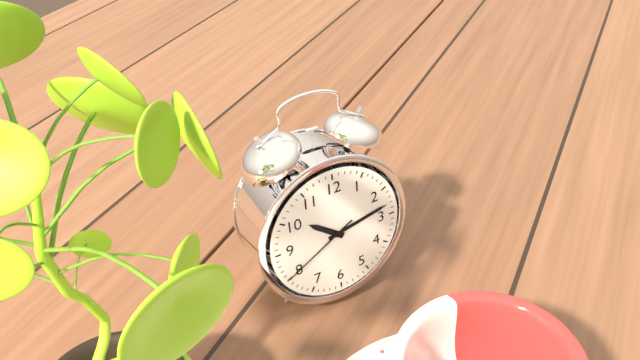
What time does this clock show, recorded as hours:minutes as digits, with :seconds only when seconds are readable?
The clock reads 10:13:40
